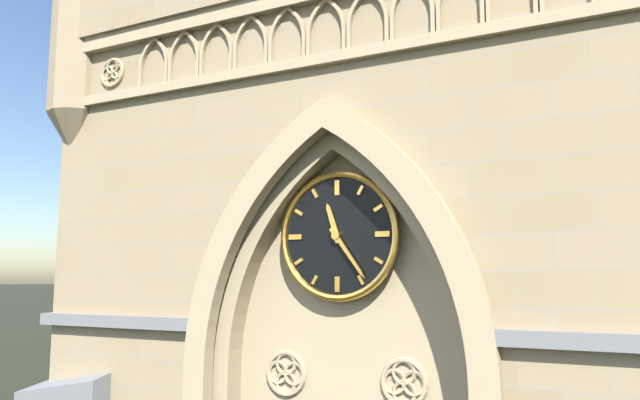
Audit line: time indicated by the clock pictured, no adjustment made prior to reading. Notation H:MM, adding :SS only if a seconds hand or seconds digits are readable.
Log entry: 11:24
